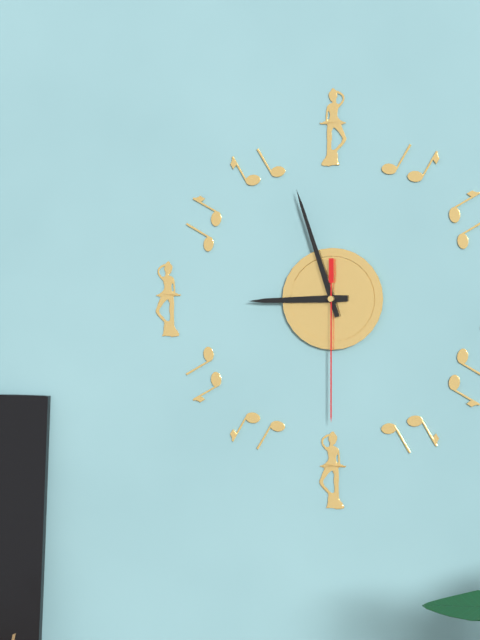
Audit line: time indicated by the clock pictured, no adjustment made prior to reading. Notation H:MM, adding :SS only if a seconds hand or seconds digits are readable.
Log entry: 8:57:30
